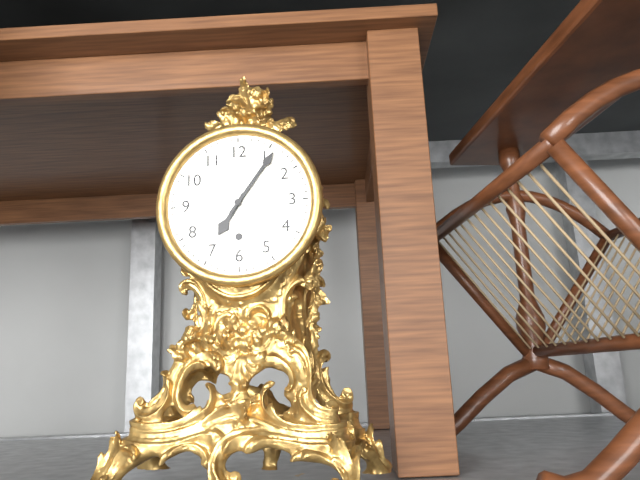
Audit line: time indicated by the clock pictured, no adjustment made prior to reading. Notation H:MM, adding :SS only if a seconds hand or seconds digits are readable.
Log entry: 7:06
